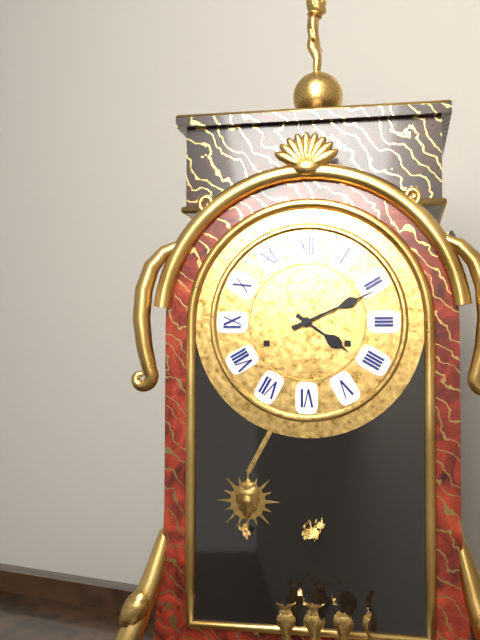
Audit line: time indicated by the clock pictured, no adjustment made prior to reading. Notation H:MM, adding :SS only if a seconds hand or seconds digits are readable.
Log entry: 4:11
